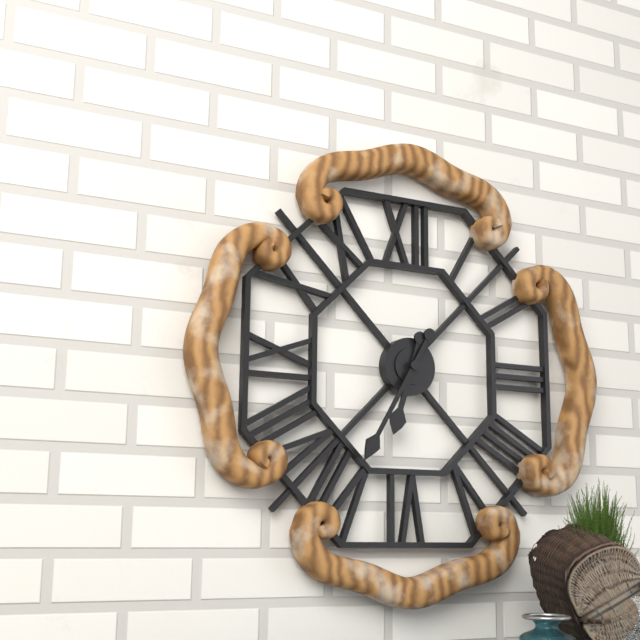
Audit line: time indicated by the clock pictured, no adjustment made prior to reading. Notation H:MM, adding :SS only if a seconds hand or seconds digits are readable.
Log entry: 6:35
